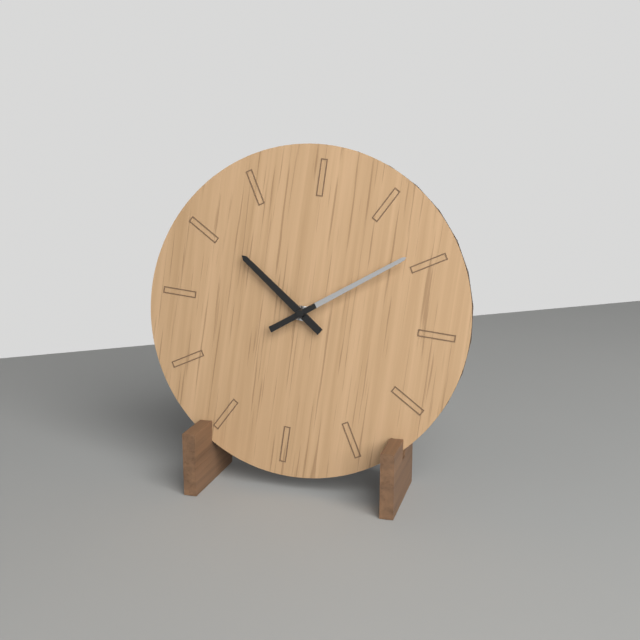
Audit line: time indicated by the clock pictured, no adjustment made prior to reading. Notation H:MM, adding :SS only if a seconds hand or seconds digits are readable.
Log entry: 10:09
